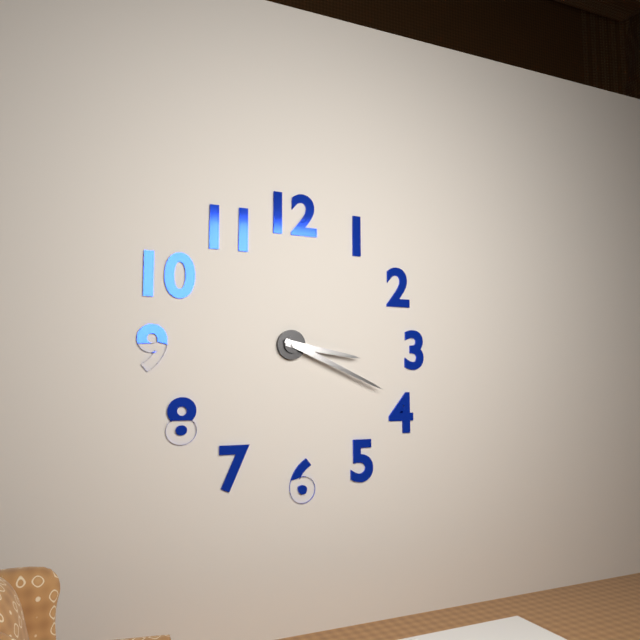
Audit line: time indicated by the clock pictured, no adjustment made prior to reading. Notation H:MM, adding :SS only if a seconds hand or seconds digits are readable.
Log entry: 3:19
